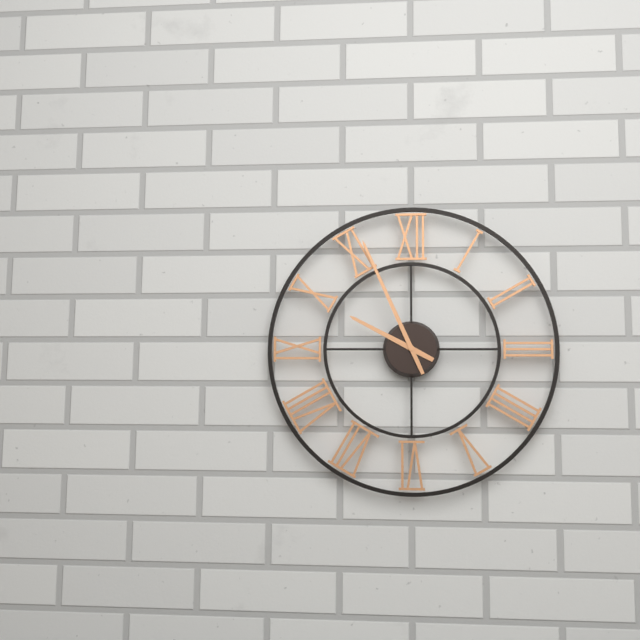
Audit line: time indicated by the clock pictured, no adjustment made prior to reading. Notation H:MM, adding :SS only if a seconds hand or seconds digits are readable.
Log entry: 9:56
